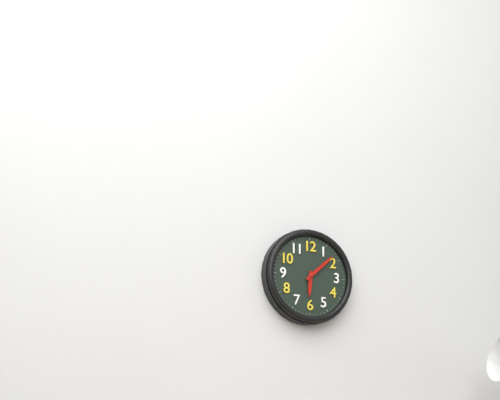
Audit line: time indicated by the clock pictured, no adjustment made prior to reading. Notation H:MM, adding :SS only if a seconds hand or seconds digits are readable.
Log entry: 6:08
